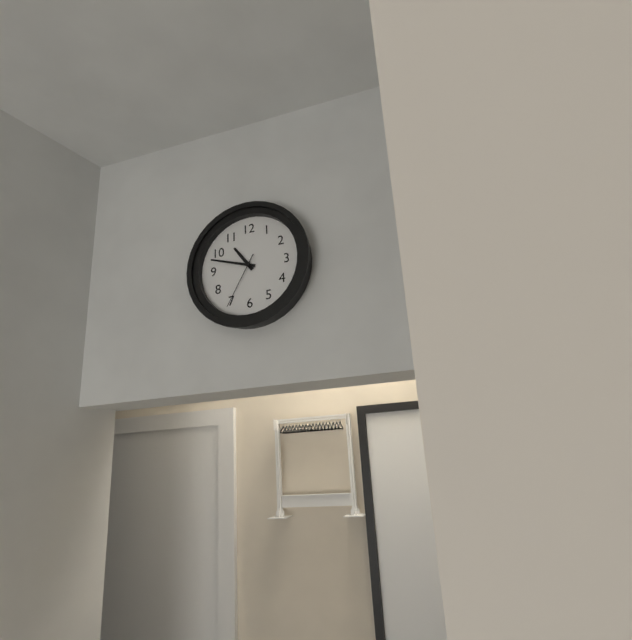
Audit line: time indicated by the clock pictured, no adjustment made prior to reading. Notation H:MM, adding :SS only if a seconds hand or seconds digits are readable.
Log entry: 10:48:35
